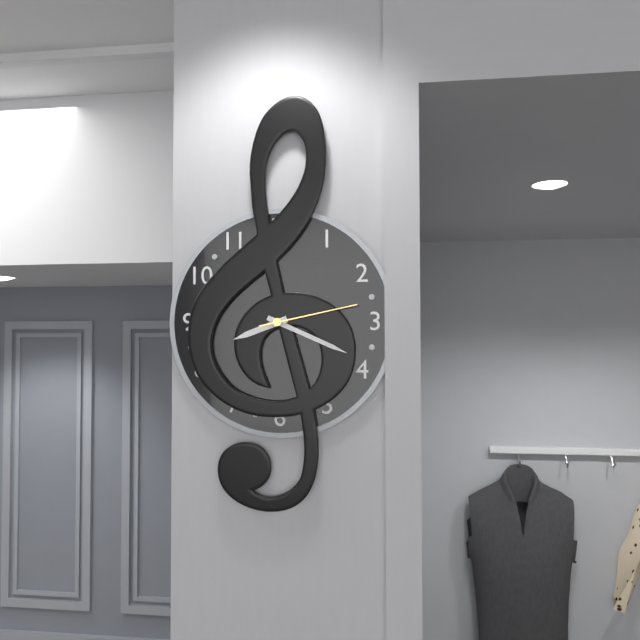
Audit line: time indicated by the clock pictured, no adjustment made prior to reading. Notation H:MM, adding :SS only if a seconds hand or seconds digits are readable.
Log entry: 8:19:13
